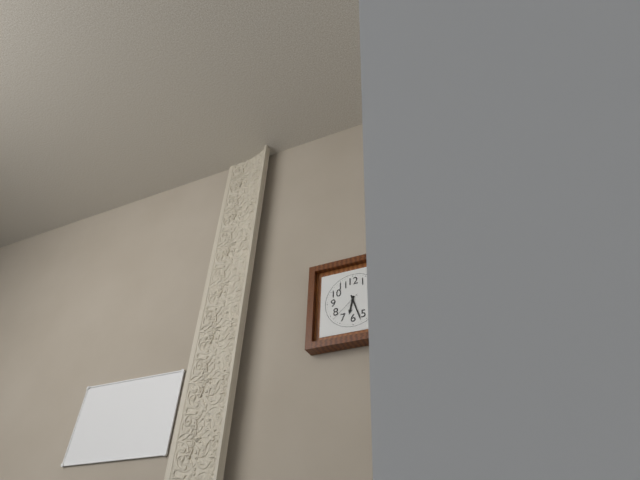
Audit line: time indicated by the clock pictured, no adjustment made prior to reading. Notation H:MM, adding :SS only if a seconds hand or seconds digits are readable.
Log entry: 6:27
